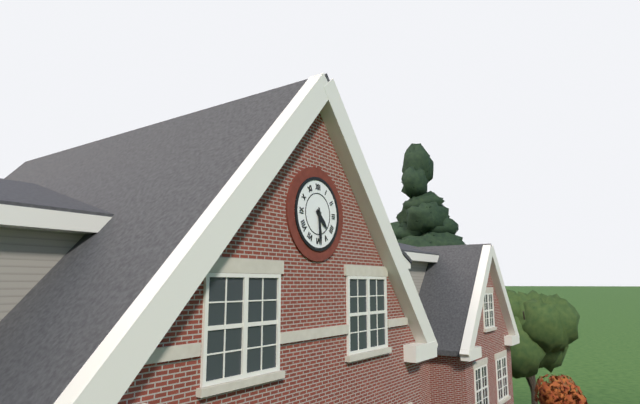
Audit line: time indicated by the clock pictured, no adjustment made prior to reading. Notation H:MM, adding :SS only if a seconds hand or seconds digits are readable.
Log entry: 4:29
